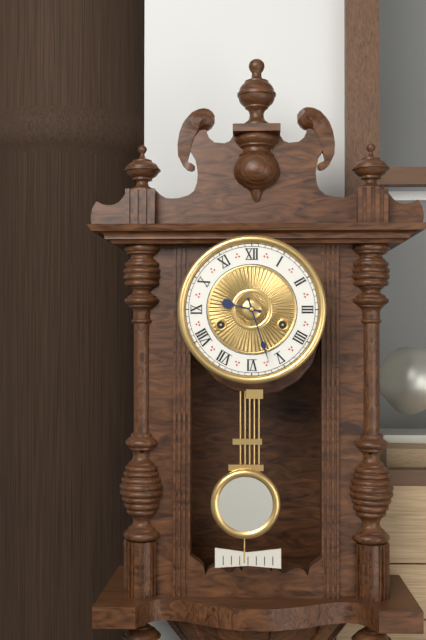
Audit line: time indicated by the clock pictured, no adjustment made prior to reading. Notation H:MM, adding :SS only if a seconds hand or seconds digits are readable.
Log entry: 9:27
